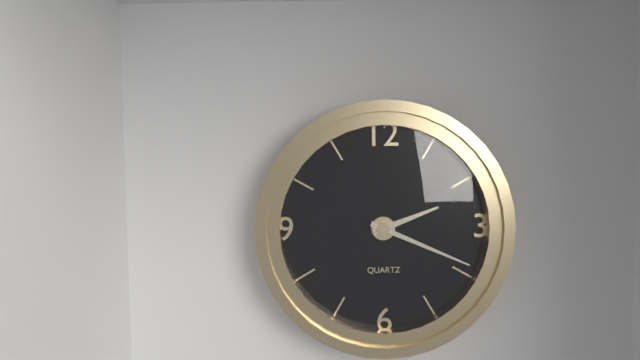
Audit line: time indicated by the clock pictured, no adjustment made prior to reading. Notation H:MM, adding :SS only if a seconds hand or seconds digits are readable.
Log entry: 2:19
